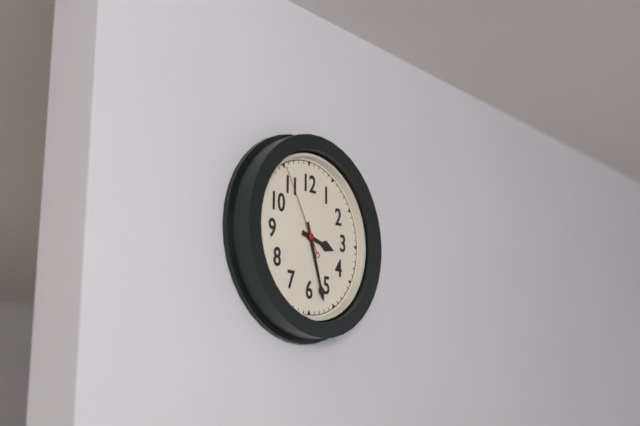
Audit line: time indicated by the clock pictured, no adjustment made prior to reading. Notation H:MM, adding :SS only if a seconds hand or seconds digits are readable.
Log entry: 3:27:55
